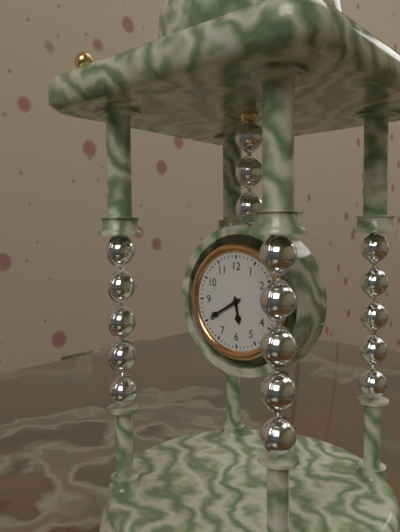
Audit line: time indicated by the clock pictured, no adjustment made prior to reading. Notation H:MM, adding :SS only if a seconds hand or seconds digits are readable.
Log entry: 5:40
